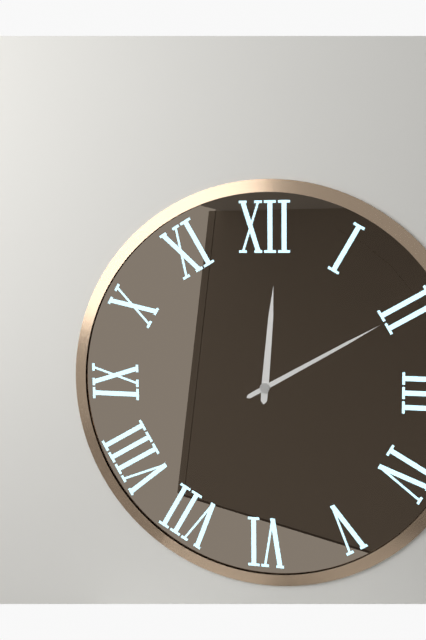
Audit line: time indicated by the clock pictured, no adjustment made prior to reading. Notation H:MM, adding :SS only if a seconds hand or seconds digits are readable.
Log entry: 12:10
